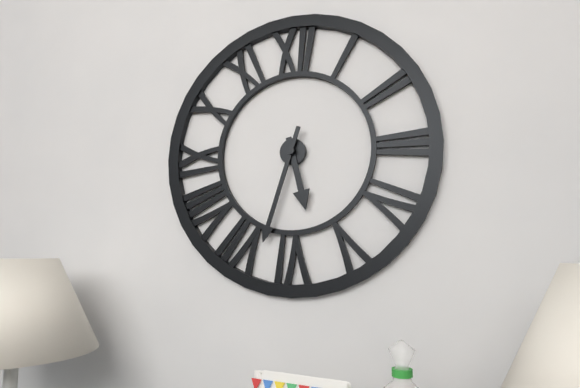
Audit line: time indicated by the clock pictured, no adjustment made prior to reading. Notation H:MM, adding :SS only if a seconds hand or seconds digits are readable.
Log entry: 5:33
